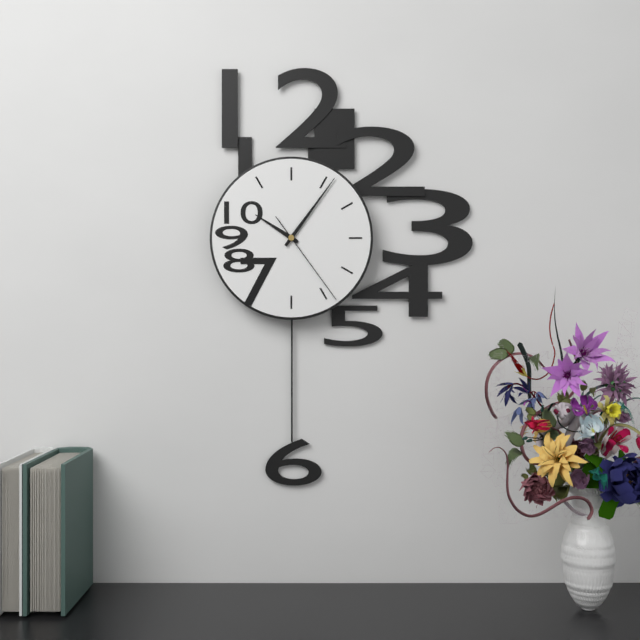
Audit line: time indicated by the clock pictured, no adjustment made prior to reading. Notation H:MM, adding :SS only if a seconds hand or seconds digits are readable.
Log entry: 10:06:24
